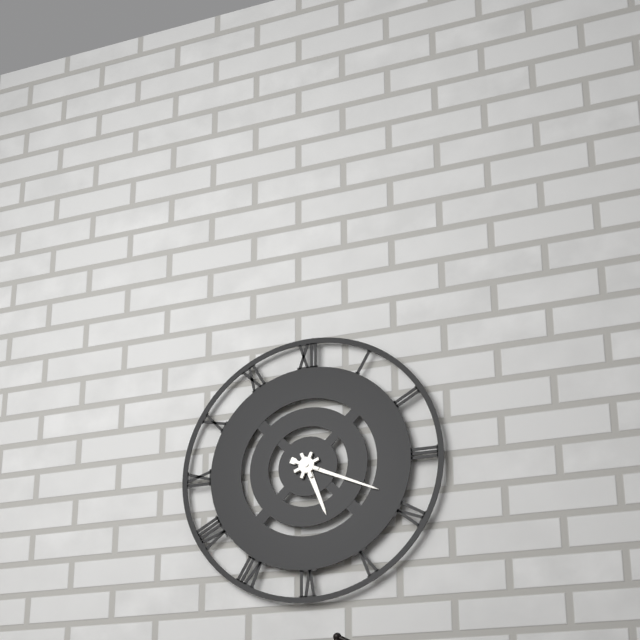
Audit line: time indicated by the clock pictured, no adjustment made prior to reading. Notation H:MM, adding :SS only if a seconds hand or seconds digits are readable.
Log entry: 5:19
